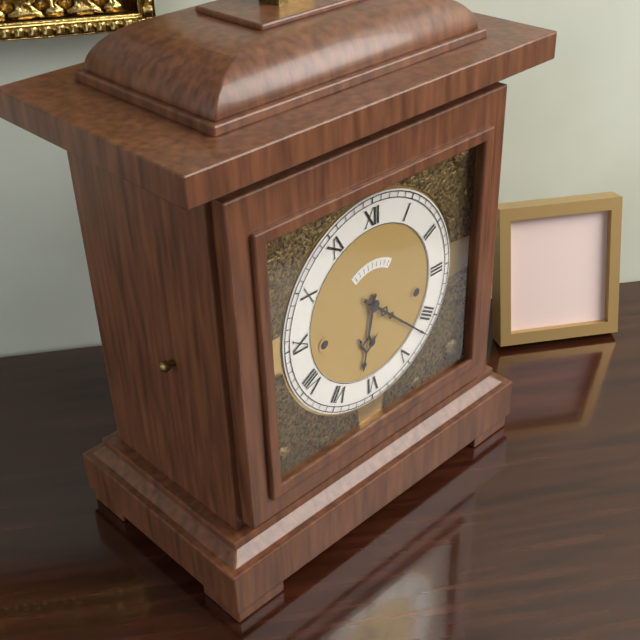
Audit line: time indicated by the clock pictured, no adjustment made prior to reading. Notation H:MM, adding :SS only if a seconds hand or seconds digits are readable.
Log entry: 6:22
